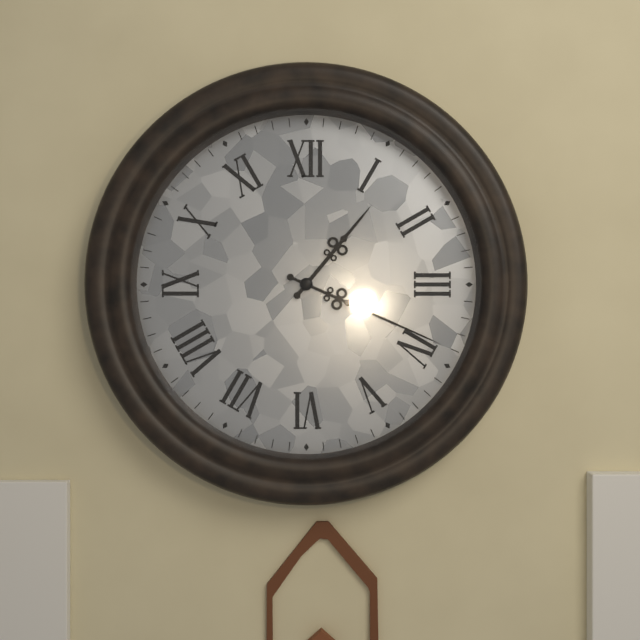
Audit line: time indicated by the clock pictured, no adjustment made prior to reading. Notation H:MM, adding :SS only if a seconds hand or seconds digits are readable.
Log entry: 1:19
